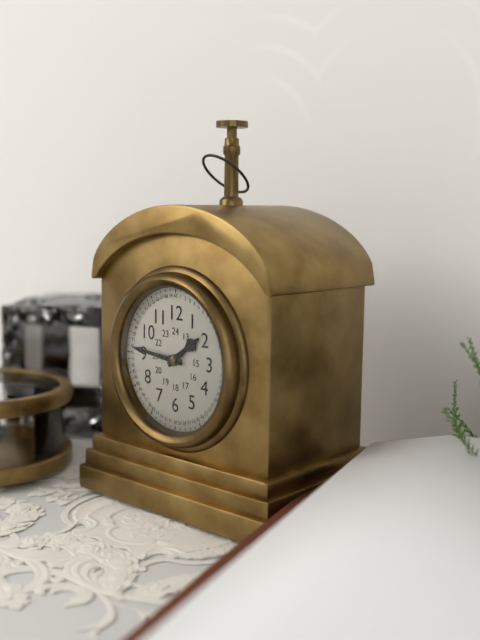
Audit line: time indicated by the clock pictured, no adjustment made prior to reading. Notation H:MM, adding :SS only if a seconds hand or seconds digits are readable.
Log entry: 1:46
